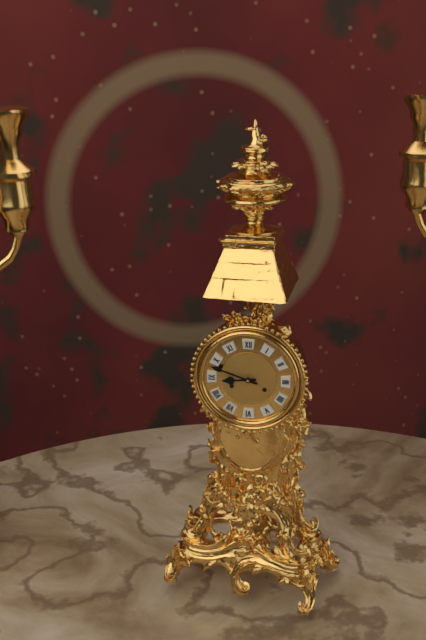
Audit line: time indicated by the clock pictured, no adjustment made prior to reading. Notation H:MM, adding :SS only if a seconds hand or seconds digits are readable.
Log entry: 8:48
